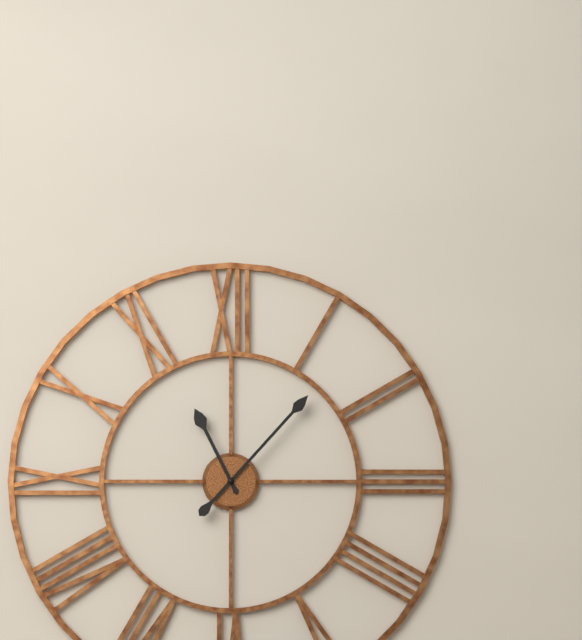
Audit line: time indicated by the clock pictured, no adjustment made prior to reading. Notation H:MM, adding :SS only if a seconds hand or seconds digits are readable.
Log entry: 11:07
